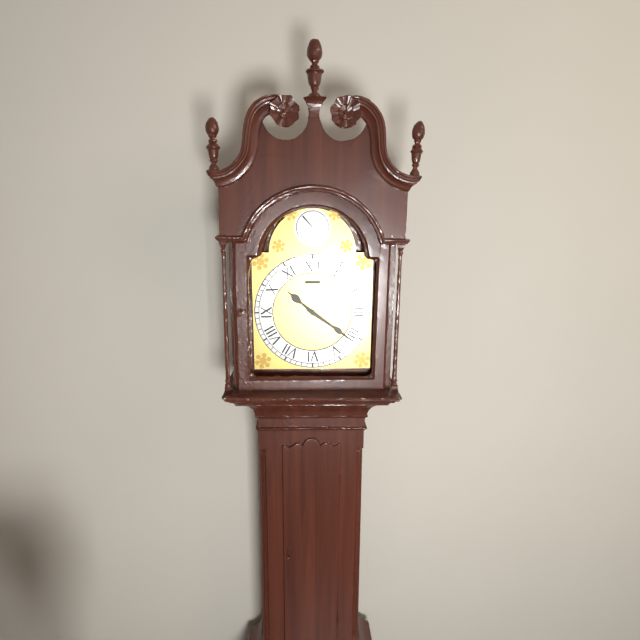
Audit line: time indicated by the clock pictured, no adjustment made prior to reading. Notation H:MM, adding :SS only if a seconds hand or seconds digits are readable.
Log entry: 10:21
